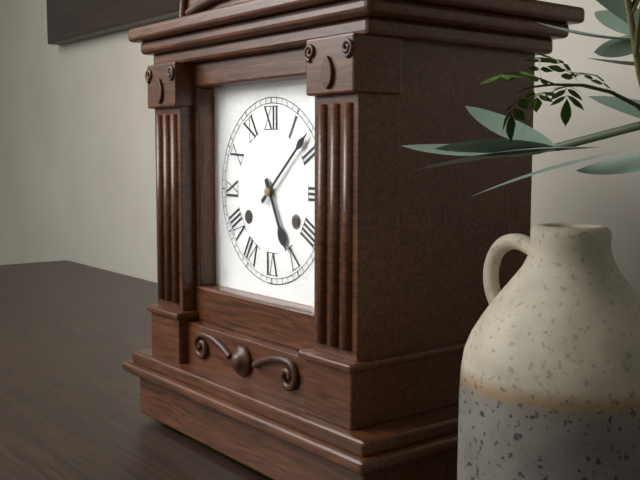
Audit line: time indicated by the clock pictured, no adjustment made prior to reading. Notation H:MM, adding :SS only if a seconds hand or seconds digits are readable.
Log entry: 5:08
